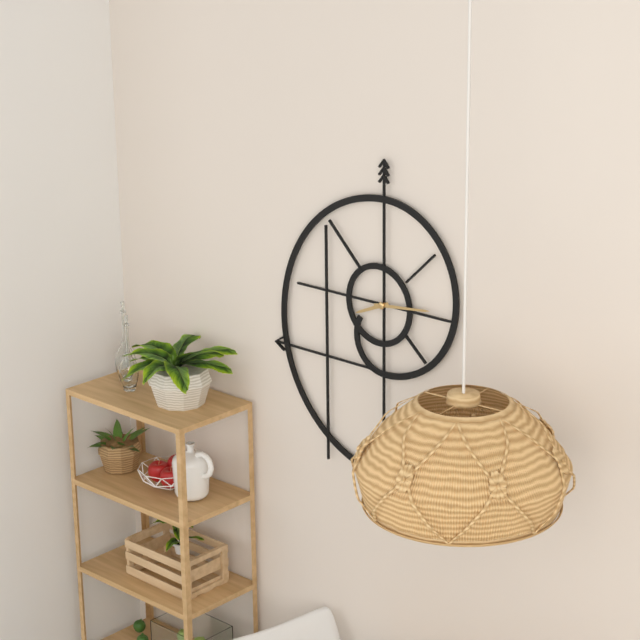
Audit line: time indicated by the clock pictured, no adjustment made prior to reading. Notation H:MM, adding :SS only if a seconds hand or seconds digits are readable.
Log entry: 8:14
